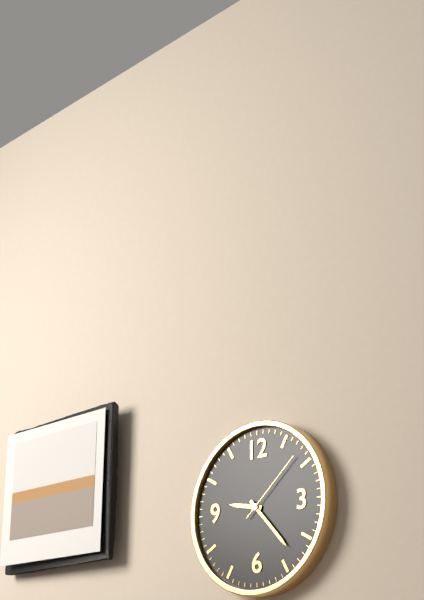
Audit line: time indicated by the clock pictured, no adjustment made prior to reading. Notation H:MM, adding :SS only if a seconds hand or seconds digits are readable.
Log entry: 9:23:08
